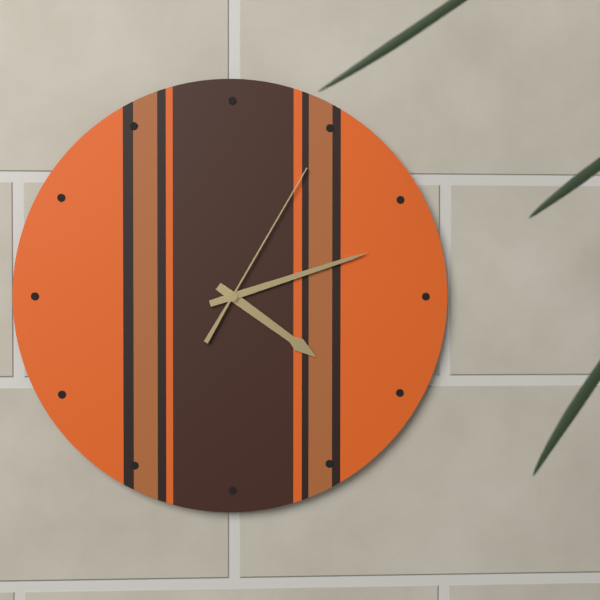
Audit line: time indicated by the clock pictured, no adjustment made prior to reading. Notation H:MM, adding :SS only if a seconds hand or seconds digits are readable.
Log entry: 4:12:05
